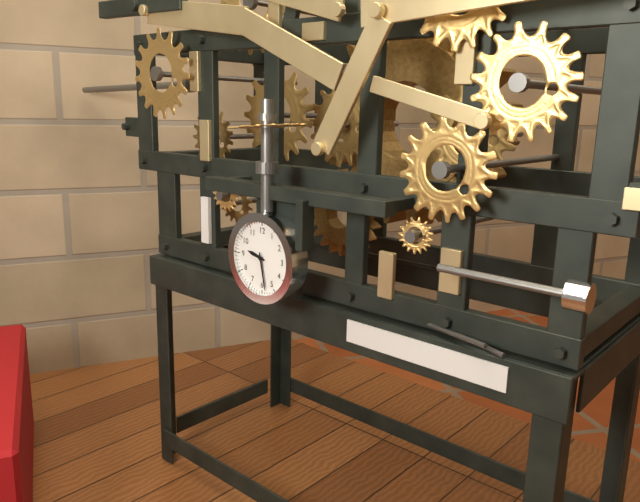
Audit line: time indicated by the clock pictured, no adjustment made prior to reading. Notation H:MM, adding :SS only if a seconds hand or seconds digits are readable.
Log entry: 9:28
